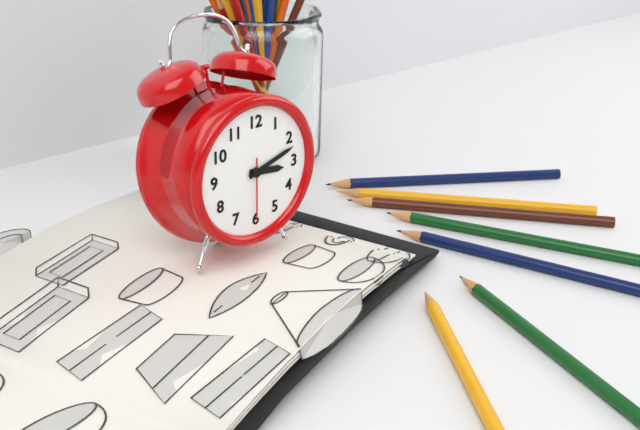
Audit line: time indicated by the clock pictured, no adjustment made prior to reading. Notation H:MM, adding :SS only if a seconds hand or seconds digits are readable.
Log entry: 3:12:30
